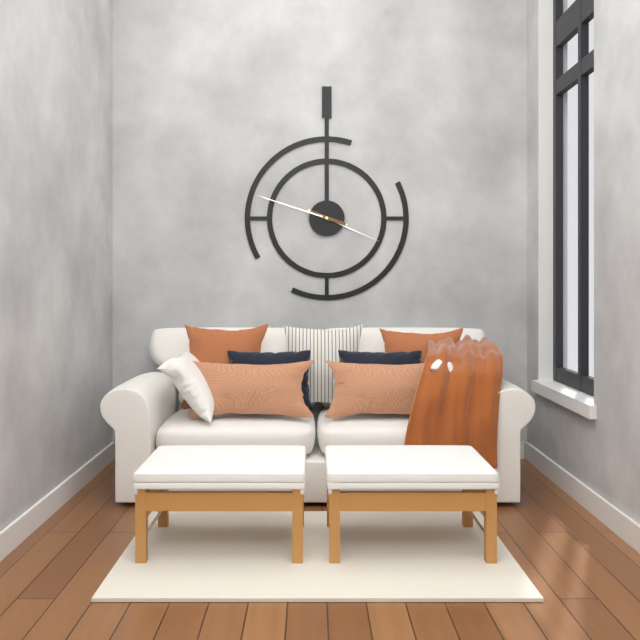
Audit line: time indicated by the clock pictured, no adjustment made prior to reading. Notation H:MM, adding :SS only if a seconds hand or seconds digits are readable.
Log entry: 3:48
